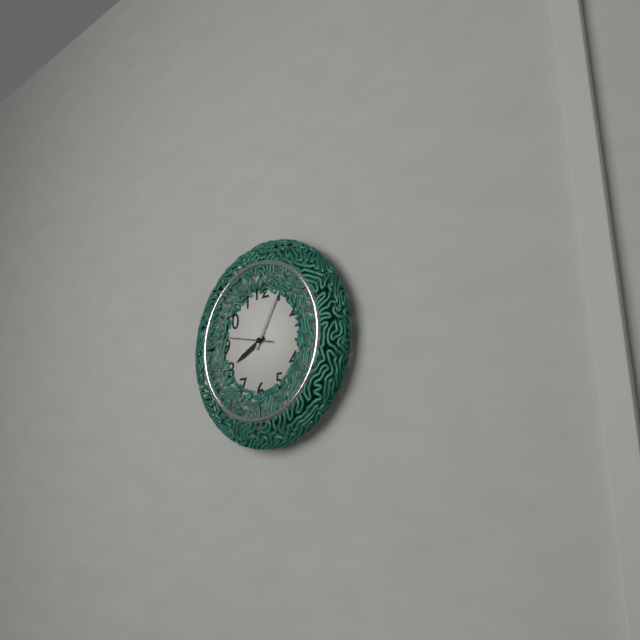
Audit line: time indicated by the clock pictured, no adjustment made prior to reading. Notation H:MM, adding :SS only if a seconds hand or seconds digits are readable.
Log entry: 8:05:47
